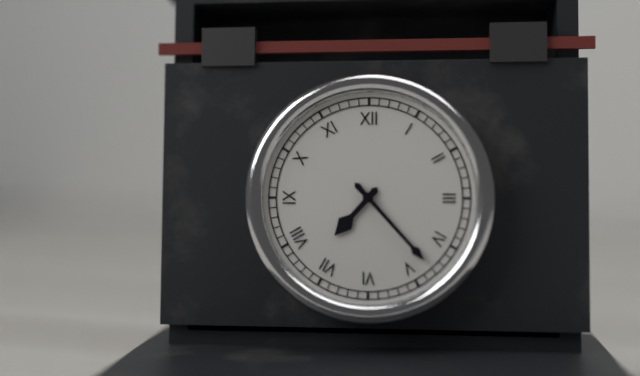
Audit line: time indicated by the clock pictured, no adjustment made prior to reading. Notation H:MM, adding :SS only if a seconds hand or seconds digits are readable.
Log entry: 7:23
